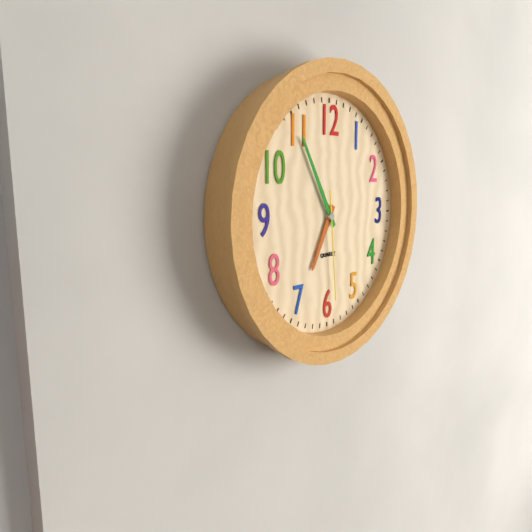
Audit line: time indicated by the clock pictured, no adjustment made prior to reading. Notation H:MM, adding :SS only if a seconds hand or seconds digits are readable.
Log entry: 6:55:29
